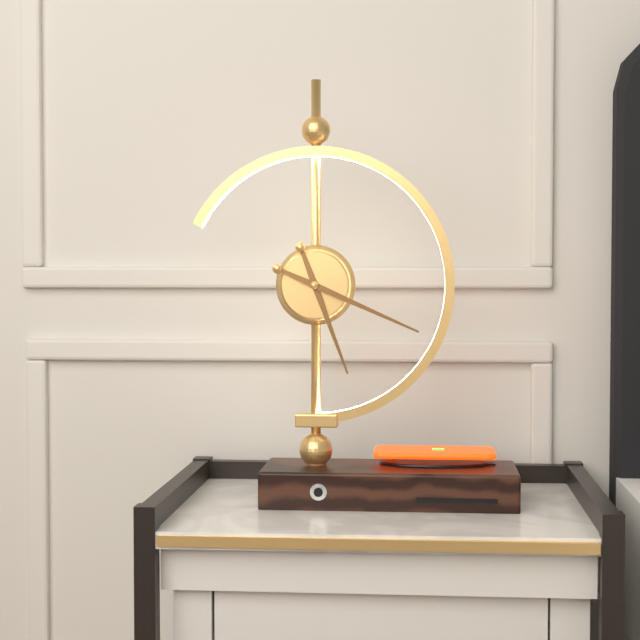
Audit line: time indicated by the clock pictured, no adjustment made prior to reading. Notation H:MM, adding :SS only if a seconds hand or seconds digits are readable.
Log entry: 5:19
